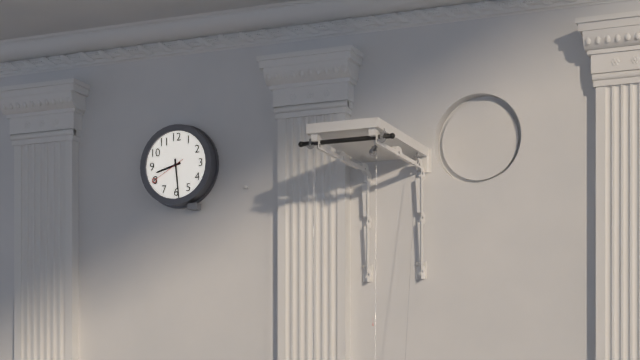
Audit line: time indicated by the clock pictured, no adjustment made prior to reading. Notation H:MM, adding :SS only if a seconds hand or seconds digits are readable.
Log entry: 8:29
